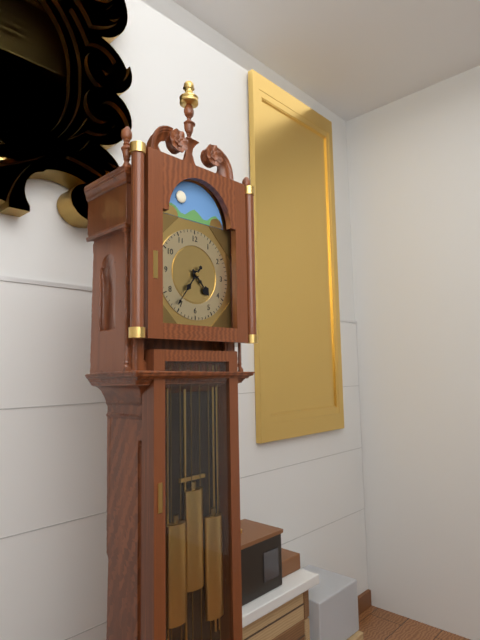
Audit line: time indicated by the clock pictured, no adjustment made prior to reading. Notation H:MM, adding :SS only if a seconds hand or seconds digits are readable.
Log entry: 4:36
